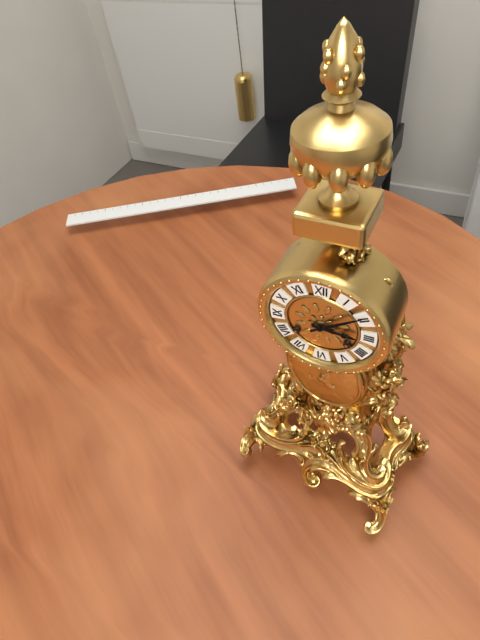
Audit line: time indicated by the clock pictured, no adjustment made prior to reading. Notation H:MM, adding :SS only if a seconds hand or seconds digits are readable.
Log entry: 3:09
